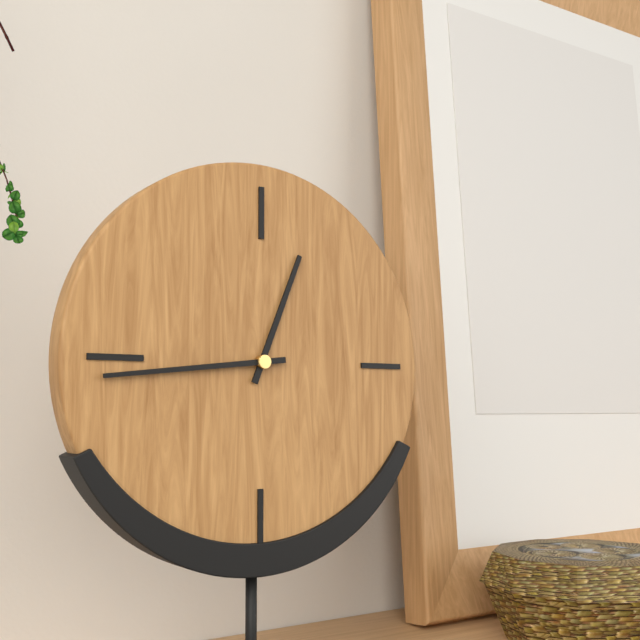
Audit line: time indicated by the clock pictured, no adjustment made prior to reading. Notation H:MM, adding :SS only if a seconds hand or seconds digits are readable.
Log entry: 12:44
